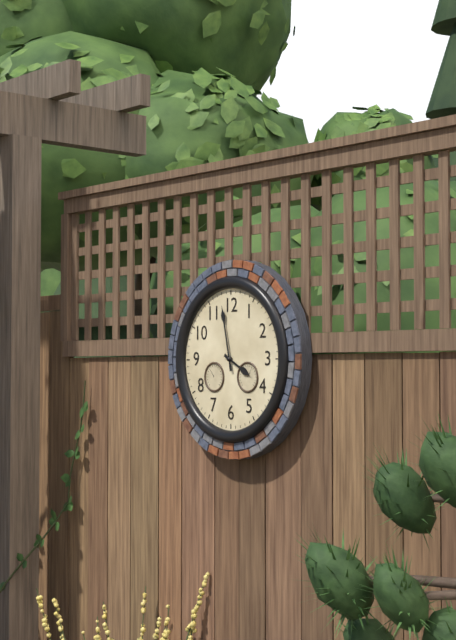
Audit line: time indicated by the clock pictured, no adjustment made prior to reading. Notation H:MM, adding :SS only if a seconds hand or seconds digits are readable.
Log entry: 3:58
